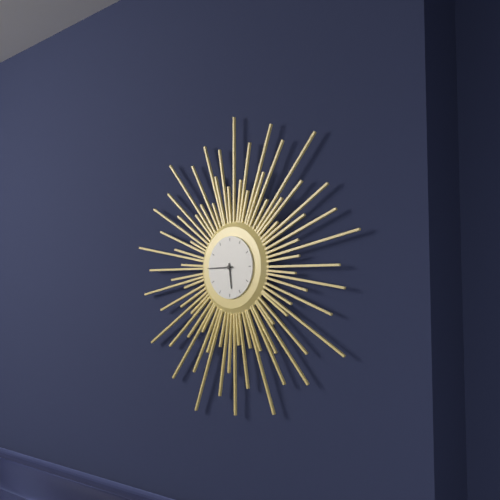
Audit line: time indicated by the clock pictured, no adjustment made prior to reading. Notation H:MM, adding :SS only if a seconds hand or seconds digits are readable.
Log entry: 5:45
